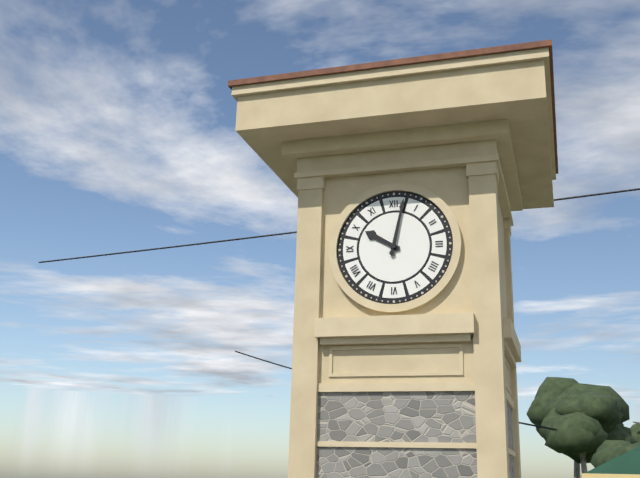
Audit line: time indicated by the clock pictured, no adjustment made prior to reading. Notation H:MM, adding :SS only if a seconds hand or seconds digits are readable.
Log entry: 10:02
